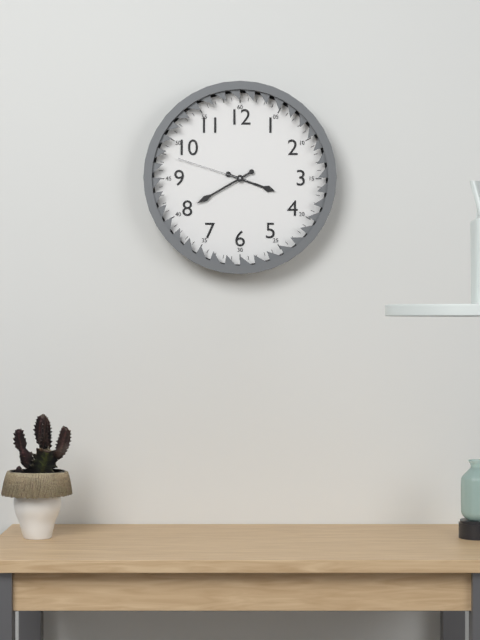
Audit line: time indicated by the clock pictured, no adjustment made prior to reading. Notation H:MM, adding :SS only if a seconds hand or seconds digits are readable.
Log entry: 3:40:48
